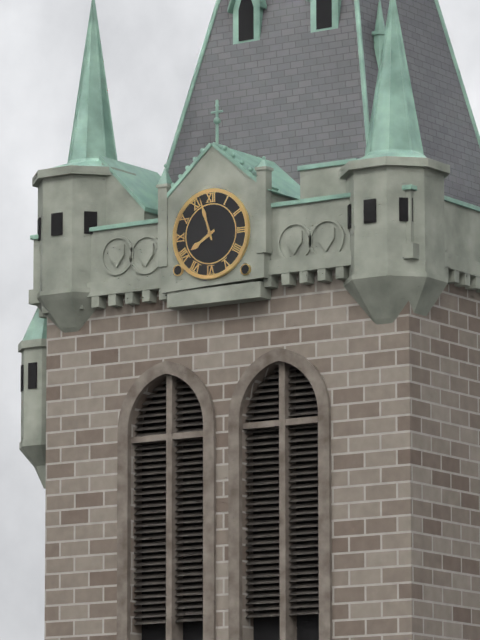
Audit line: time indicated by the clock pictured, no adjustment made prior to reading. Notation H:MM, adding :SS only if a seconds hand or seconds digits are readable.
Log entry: 7:57
